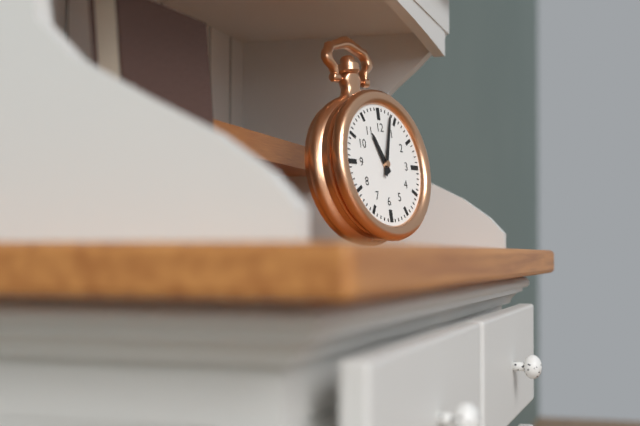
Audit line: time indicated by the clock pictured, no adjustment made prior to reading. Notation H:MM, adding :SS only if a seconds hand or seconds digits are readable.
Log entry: 11:03
